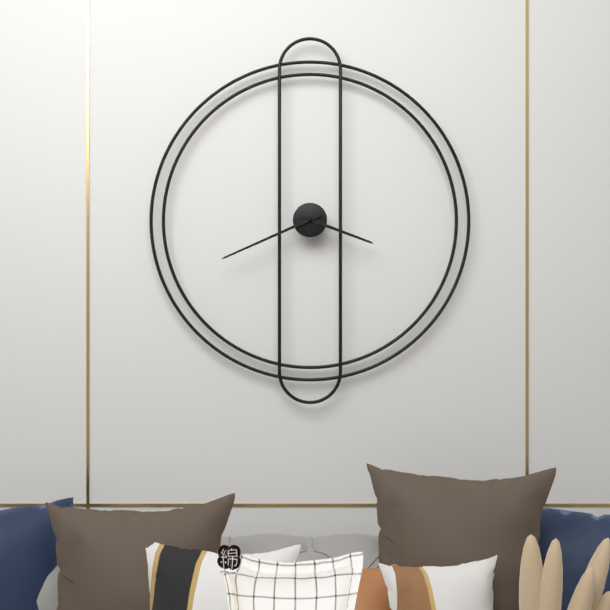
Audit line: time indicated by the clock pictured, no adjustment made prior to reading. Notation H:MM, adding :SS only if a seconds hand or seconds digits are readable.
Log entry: 3:41
